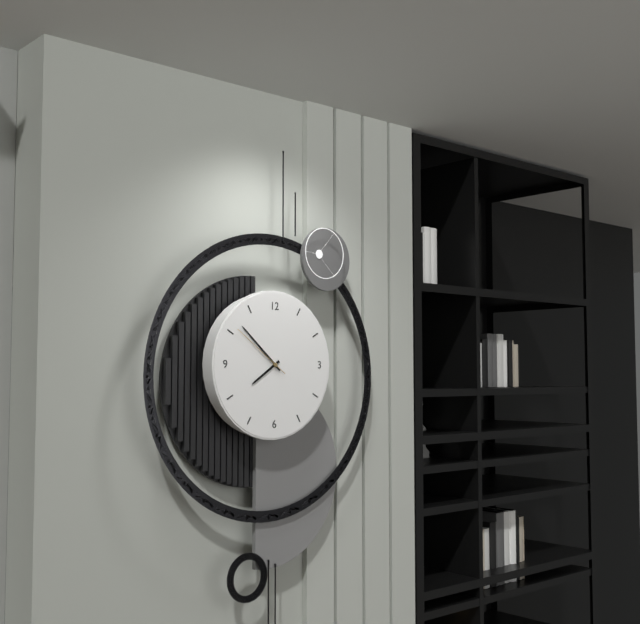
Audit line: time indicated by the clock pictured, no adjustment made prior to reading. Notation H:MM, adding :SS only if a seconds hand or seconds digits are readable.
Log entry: 7:52:51
